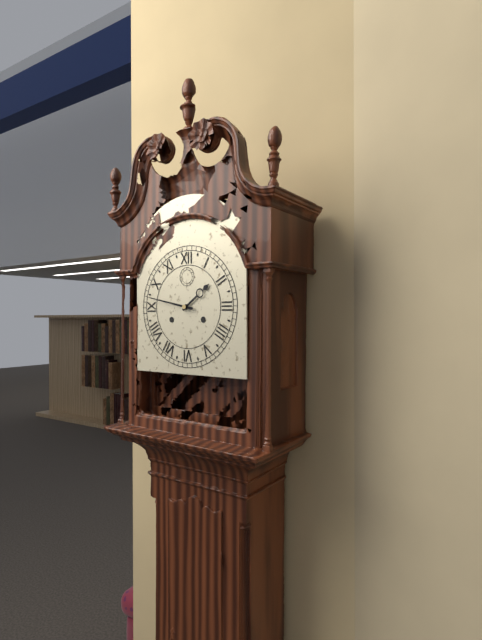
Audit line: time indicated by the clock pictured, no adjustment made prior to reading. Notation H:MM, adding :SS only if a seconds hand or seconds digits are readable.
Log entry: 1:47
